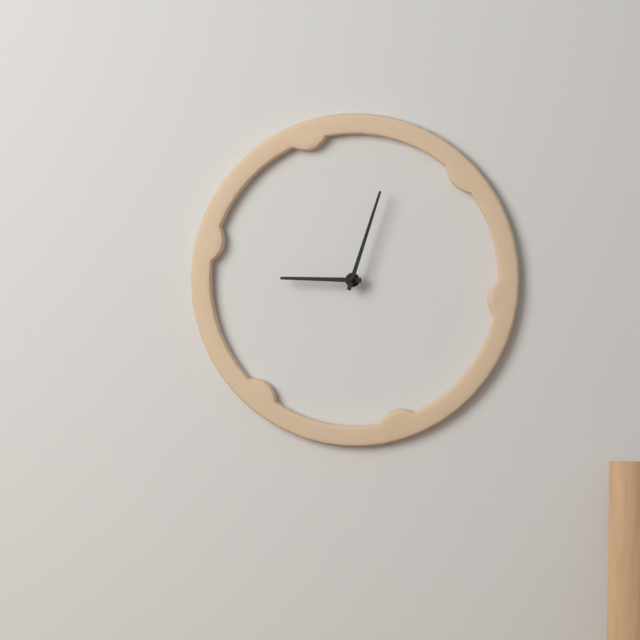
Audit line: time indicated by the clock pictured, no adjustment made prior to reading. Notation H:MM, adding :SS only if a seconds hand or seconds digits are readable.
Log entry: 9:03
